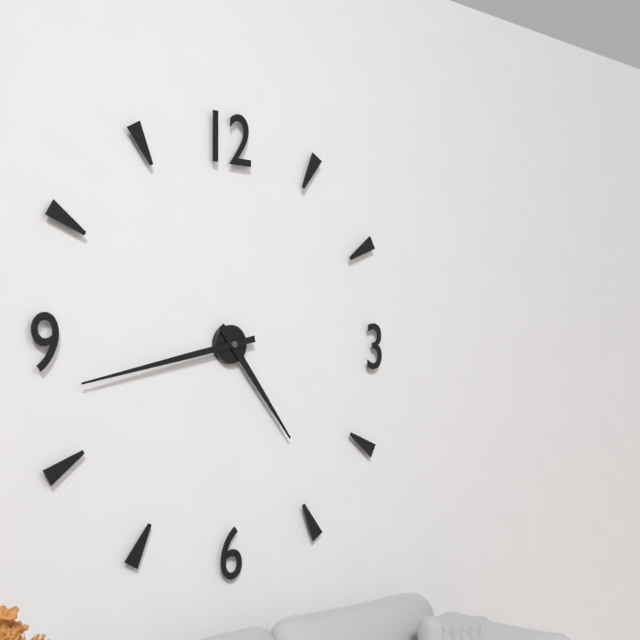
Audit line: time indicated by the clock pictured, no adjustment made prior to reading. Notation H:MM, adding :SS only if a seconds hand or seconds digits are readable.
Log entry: 4:43
